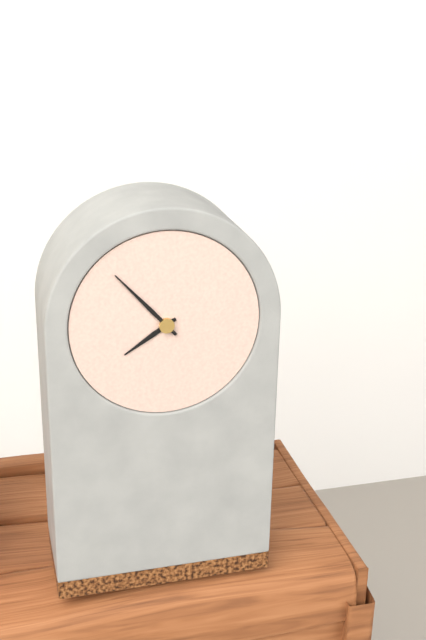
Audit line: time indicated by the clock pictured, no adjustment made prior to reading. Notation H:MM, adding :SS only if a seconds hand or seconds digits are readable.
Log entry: 7:53
